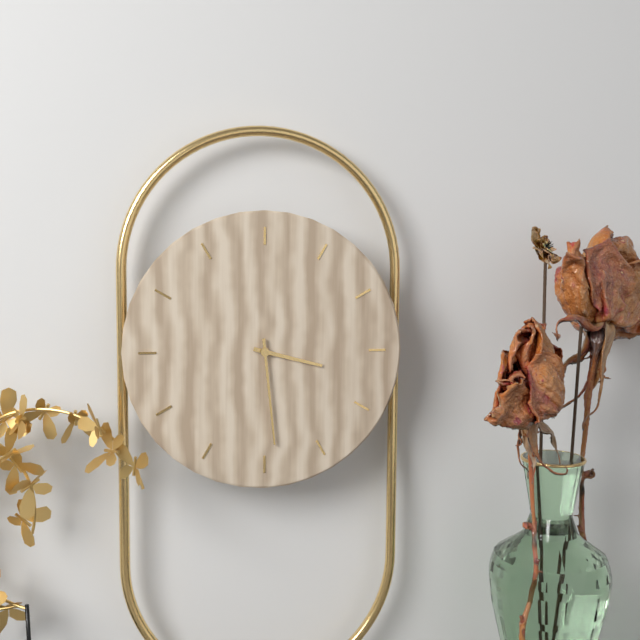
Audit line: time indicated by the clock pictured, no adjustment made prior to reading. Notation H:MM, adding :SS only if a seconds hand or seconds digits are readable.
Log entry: 3:29
